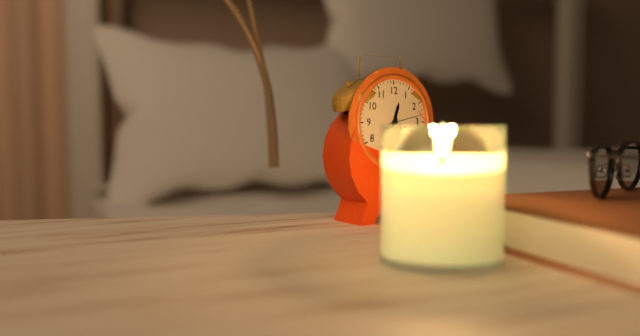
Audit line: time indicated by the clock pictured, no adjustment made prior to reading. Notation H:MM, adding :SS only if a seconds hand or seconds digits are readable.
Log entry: 12:36
